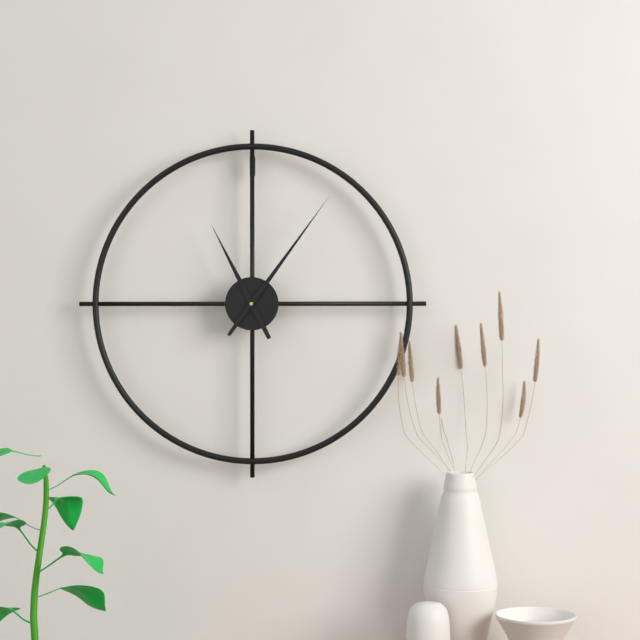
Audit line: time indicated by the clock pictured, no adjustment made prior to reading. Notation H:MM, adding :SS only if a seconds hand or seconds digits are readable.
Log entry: 11:06
